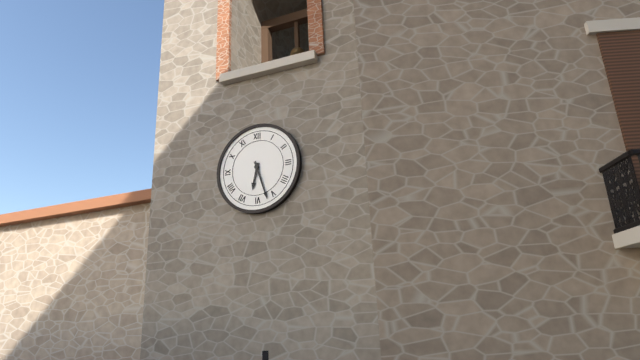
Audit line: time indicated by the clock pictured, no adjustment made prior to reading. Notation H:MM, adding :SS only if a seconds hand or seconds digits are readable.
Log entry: 6:27
